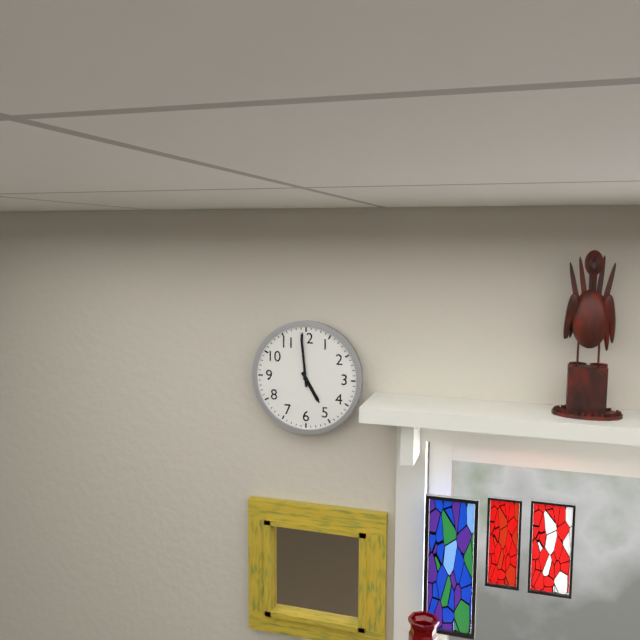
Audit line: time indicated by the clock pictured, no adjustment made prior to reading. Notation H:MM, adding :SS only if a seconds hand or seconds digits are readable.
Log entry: 4:59
